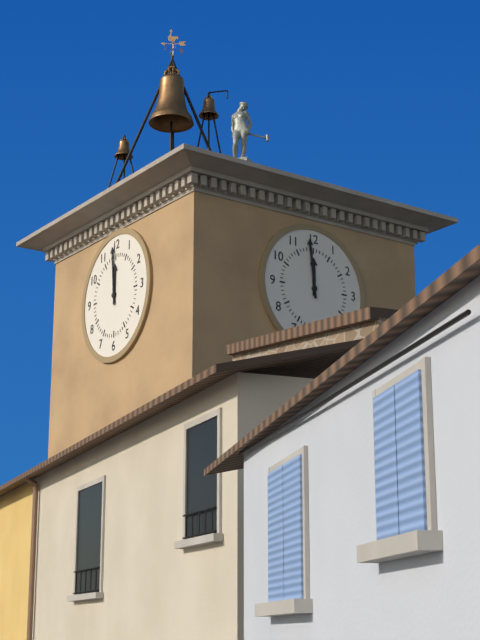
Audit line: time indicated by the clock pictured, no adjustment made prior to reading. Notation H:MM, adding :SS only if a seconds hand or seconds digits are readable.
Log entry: 11:59
